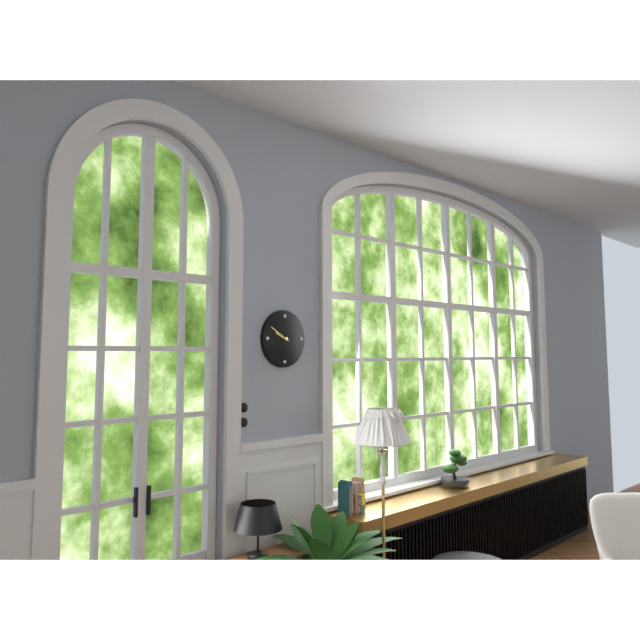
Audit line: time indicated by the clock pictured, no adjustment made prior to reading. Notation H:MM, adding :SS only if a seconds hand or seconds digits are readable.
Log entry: 9:50
